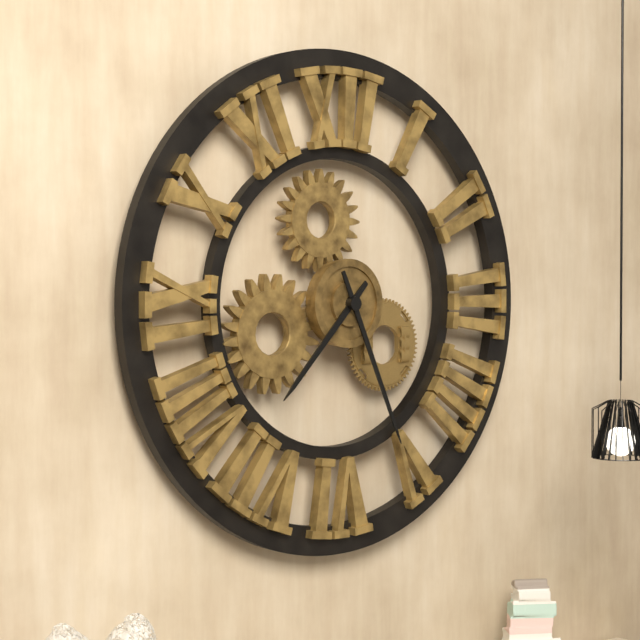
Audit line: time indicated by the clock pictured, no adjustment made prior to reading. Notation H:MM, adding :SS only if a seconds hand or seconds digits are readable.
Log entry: 7:26
